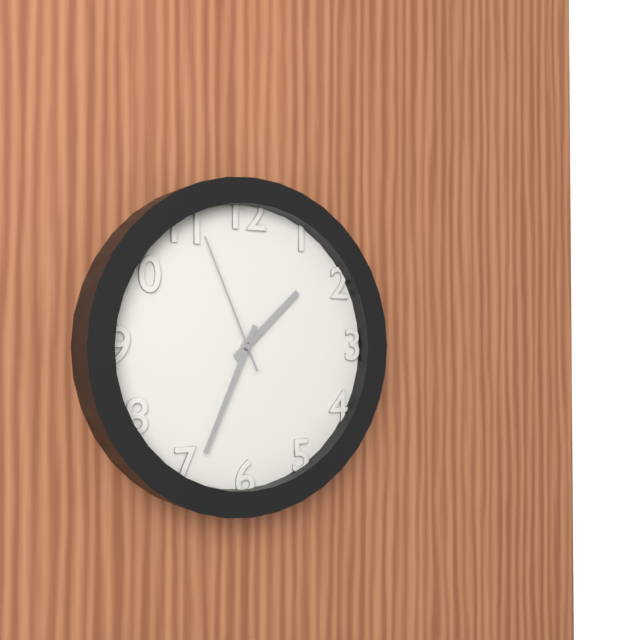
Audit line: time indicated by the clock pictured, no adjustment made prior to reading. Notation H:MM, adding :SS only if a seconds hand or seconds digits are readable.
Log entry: 1:34:56
